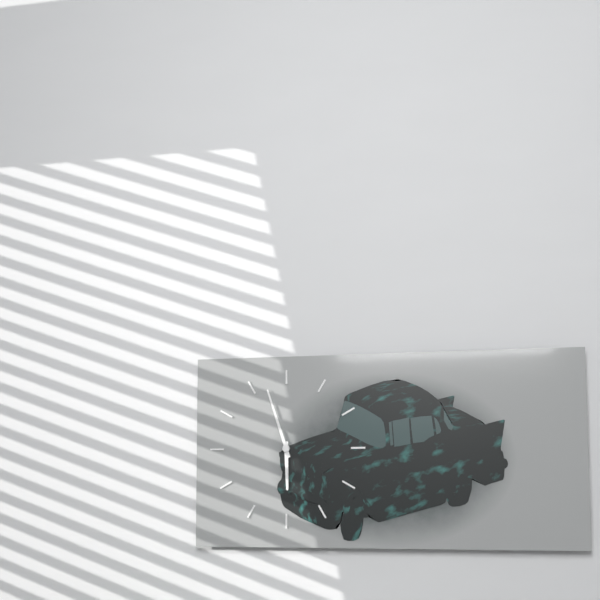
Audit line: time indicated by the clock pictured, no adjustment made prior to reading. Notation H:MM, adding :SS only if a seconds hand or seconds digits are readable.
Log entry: 5:57
